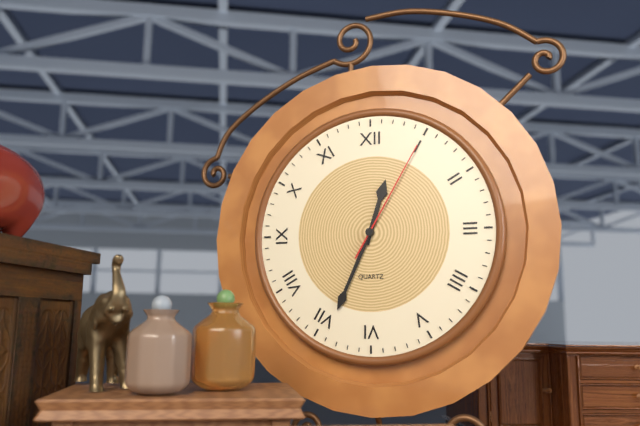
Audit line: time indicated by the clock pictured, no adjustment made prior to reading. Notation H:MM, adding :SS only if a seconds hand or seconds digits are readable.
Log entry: 12:34:05
